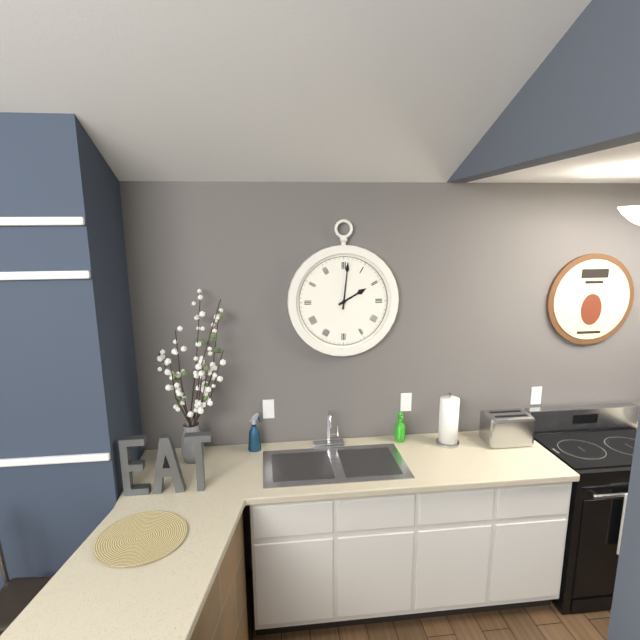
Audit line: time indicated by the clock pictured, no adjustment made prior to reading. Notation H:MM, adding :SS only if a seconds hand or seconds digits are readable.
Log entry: 2:01
